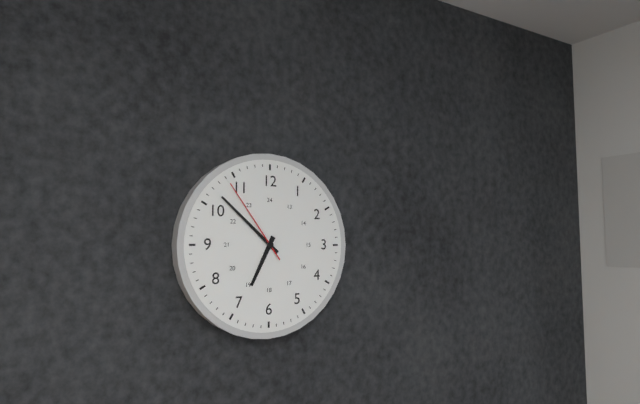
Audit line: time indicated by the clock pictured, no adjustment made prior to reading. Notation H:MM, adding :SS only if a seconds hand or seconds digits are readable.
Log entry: 6:52:54
